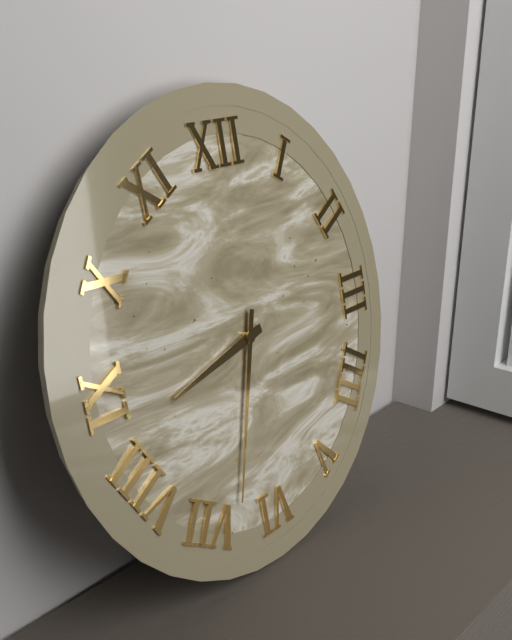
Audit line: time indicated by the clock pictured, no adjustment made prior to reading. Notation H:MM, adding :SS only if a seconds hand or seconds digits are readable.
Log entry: 8:33
